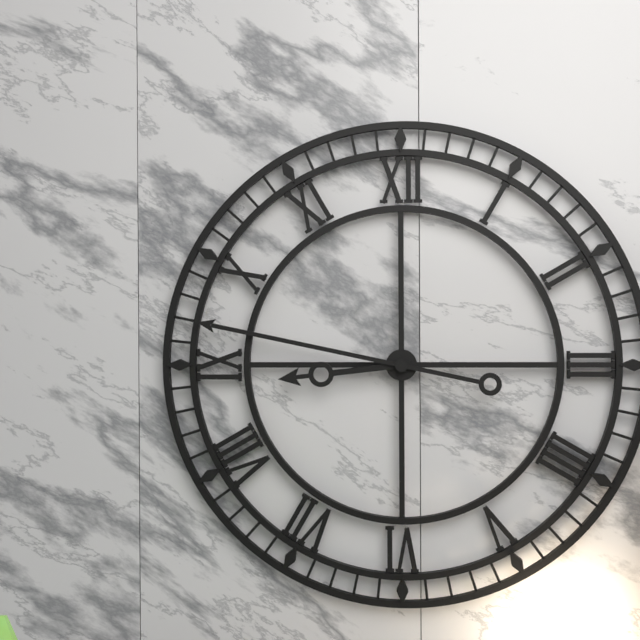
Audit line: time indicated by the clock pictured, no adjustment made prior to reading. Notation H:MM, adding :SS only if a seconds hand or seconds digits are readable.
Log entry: 8:47
